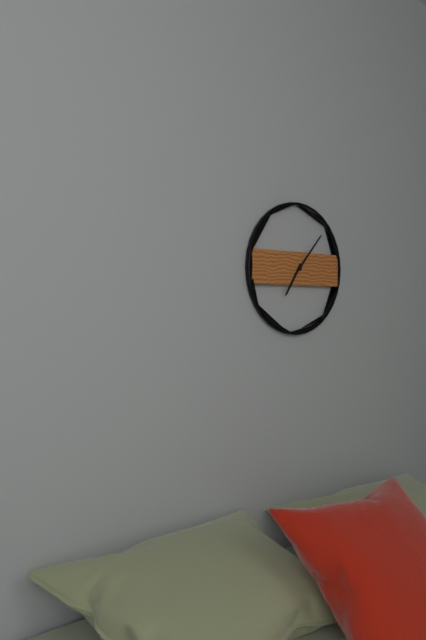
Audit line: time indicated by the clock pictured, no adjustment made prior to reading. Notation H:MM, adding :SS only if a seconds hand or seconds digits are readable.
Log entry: 7:07
